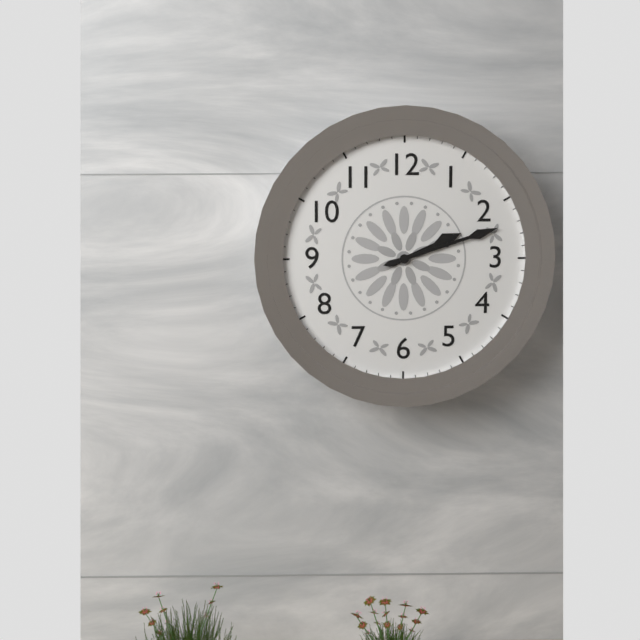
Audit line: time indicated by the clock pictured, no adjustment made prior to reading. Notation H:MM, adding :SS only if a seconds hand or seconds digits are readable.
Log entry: 2:12
